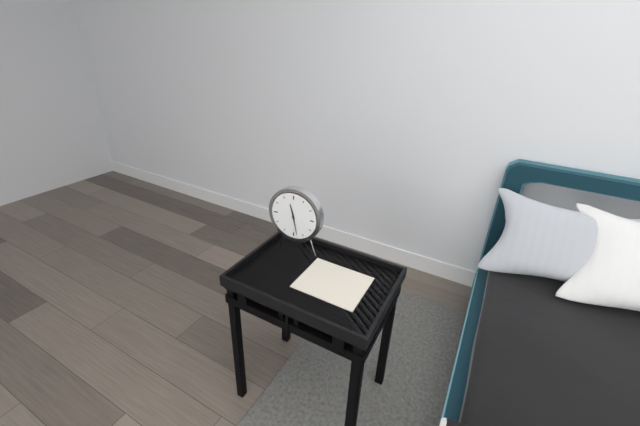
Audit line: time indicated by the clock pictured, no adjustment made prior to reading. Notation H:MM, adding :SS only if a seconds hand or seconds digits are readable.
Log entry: 11:28
